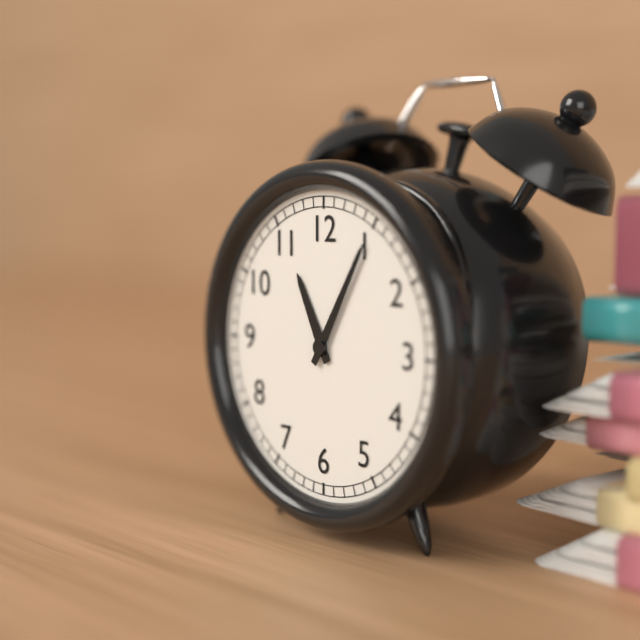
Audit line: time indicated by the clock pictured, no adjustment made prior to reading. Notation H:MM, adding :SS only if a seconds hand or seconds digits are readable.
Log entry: 11:05
